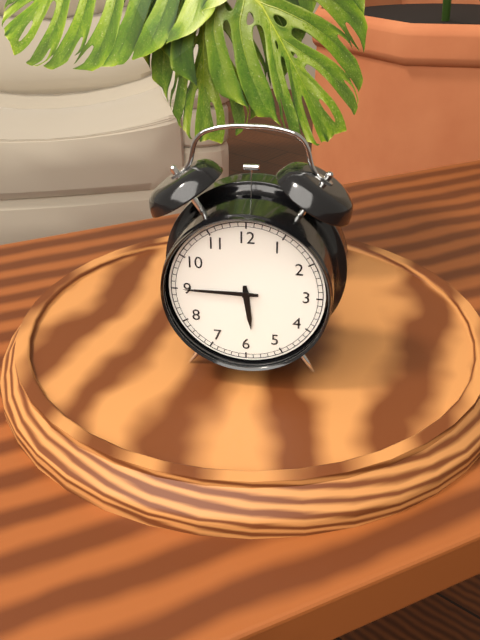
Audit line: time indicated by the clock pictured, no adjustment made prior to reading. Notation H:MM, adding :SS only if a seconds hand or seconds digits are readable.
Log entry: 5:45
